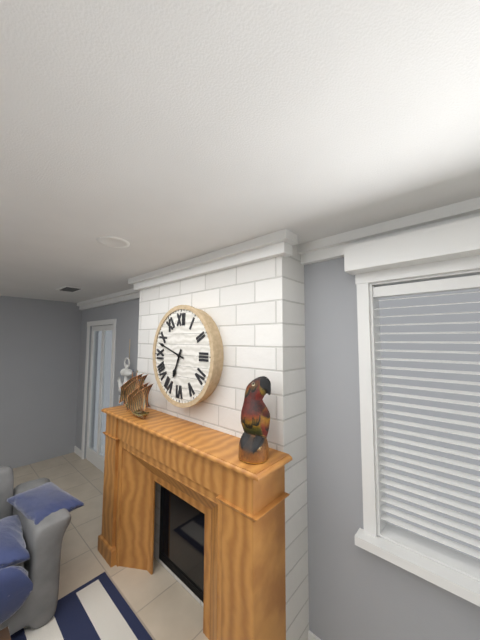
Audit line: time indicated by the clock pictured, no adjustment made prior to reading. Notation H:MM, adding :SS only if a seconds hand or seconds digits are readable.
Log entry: 6:48
